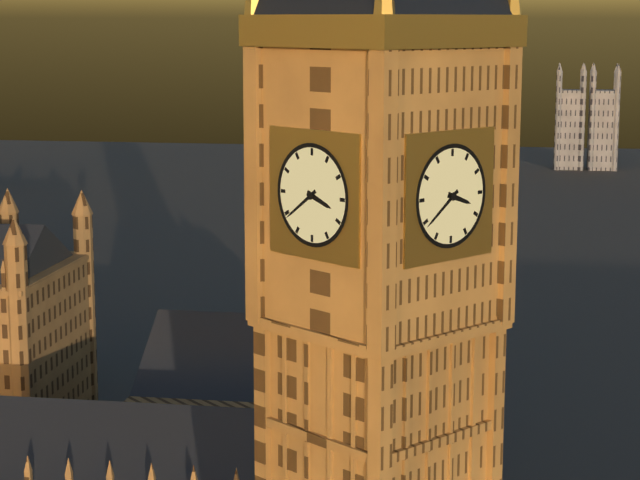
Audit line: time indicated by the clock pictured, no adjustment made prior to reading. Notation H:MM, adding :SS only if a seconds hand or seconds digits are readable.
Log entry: 3:39
